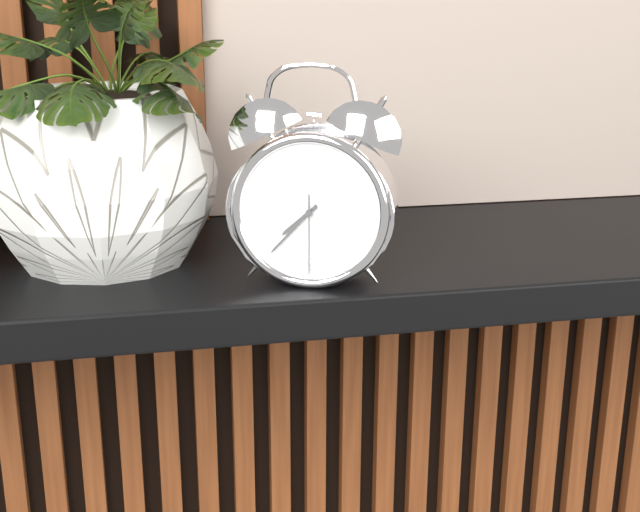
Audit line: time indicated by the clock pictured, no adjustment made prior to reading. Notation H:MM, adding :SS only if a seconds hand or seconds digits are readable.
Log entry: 7:37:30
